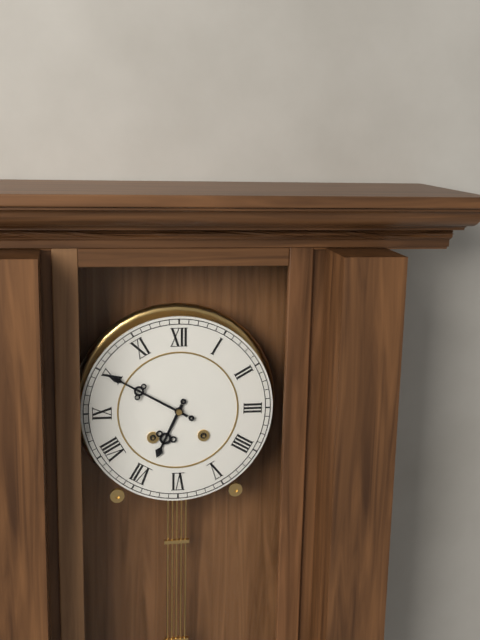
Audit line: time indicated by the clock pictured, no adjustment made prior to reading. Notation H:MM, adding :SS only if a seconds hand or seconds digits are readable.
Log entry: 6:50
